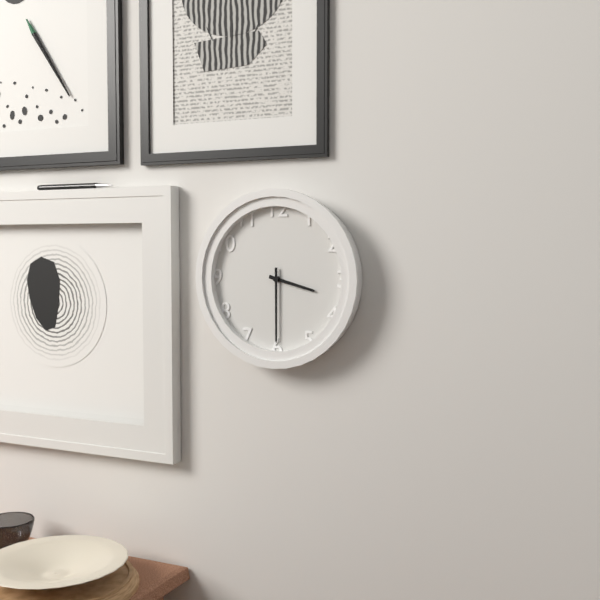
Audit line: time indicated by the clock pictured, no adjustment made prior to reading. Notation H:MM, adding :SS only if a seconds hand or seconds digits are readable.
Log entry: 3:30
